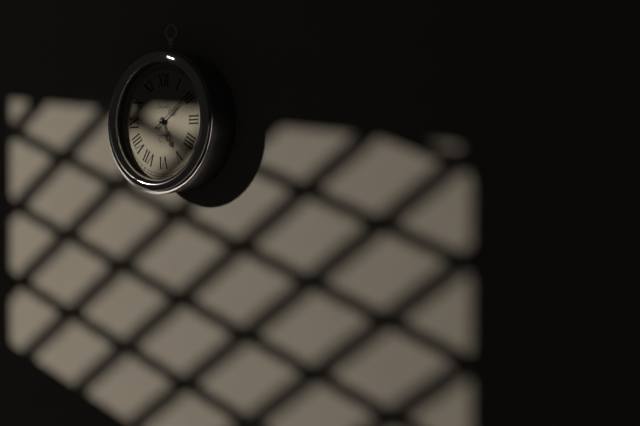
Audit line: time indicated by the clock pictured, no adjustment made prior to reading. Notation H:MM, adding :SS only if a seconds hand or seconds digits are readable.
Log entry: 5:09
